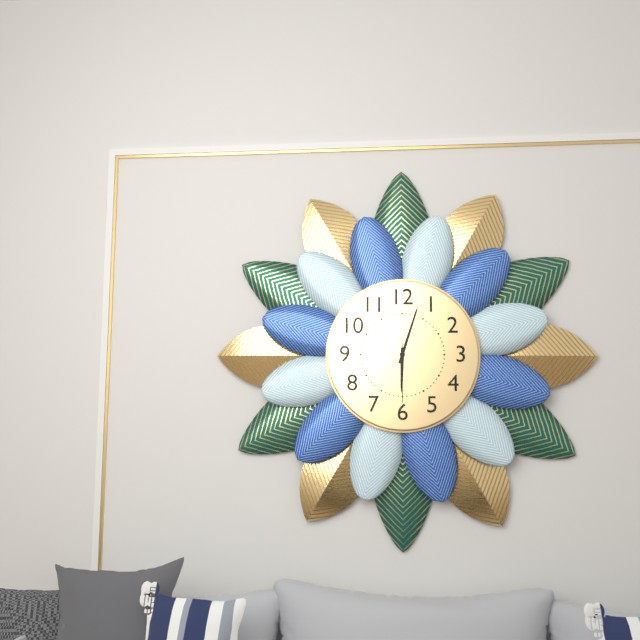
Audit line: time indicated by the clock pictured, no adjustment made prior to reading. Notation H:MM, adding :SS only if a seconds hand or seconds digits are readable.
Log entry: 6:03:30
